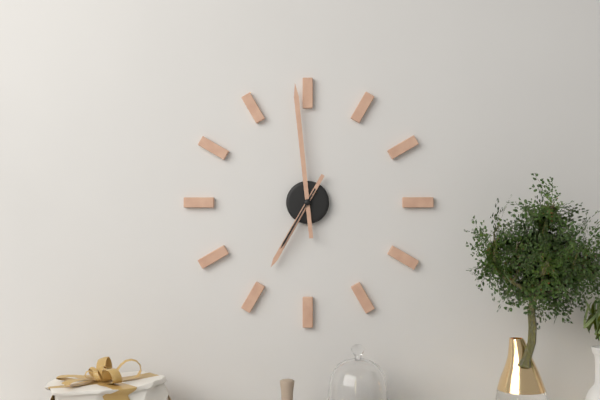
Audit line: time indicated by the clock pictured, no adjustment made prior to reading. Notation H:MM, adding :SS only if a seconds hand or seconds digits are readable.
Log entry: 6:59:35
